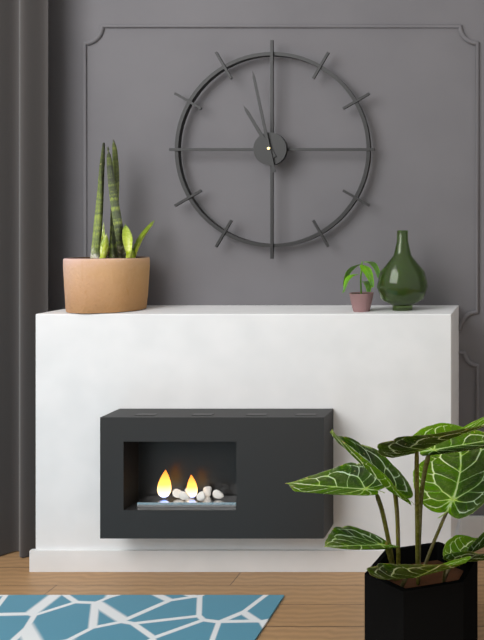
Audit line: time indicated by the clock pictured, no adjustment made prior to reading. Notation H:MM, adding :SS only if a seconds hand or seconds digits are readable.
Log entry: 10:58
